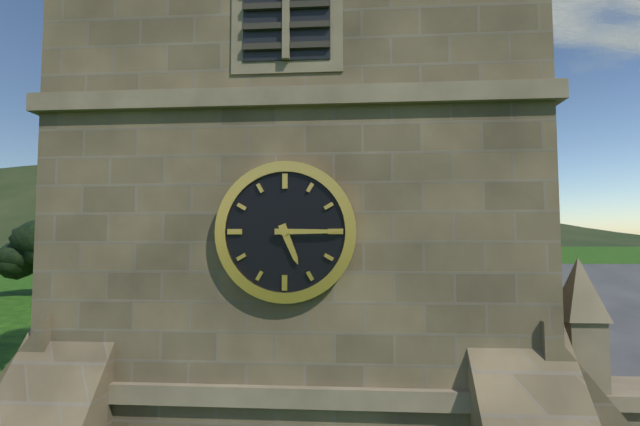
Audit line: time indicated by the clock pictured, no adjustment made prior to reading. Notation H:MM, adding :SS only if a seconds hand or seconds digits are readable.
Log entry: 5:15
